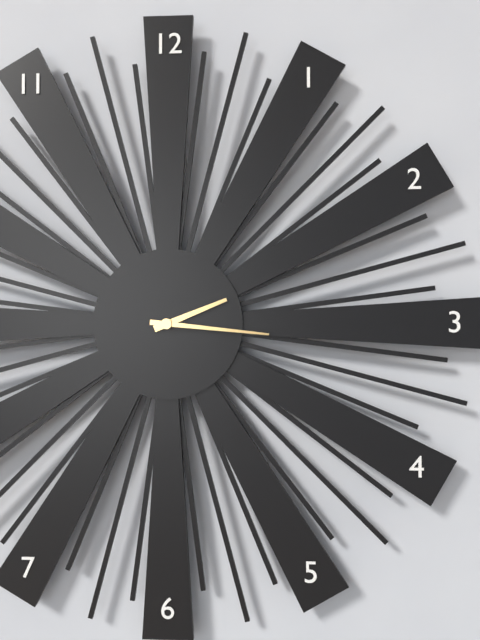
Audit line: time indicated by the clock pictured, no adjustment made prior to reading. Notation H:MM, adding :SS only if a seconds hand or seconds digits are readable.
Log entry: 2:16
